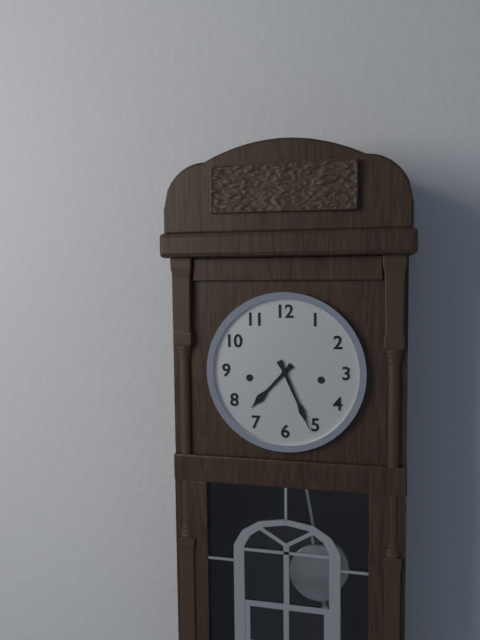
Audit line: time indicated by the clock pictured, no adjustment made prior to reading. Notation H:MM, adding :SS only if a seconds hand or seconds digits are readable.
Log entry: 7:26
